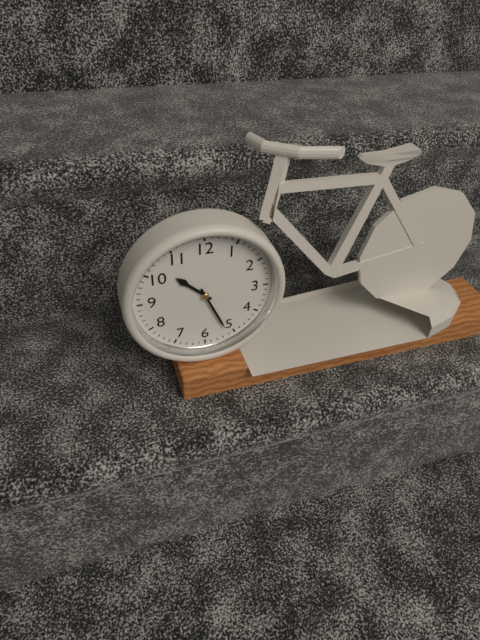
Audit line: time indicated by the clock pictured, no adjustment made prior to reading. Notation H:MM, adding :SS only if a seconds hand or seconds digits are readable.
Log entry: 10:26
